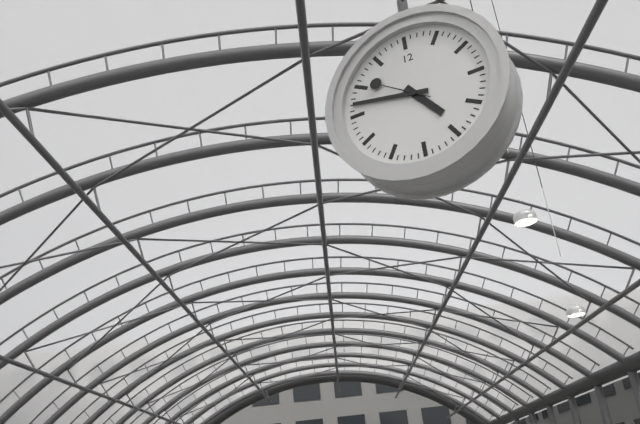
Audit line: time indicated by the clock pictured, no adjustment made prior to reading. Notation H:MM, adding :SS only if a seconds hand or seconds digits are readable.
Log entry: 4:47:51
